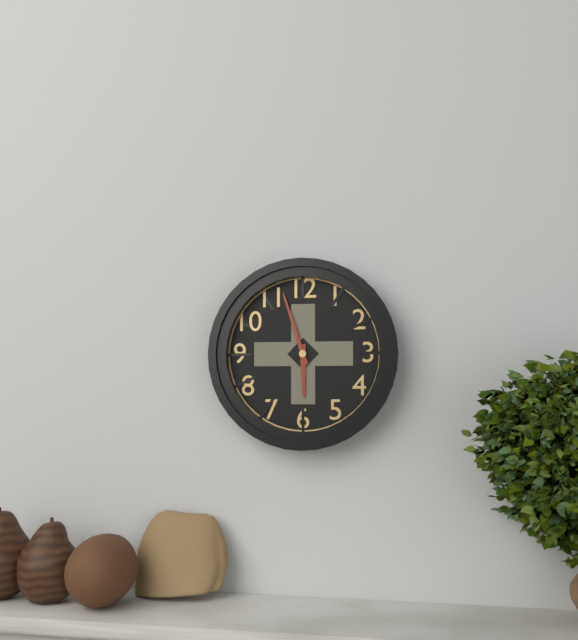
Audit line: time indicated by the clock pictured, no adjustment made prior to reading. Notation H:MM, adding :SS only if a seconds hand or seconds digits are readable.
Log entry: 5:57
